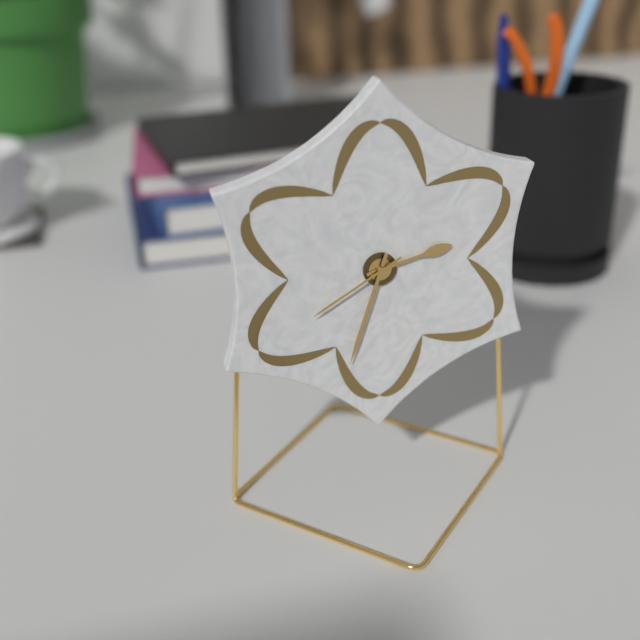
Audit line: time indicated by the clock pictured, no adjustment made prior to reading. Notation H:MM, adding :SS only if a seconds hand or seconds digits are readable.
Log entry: 2:33:40
